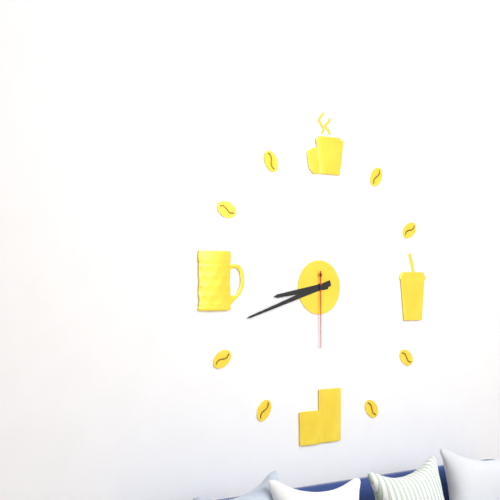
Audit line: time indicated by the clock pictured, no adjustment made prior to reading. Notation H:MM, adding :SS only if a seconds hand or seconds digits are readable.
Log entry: 8:42:30
